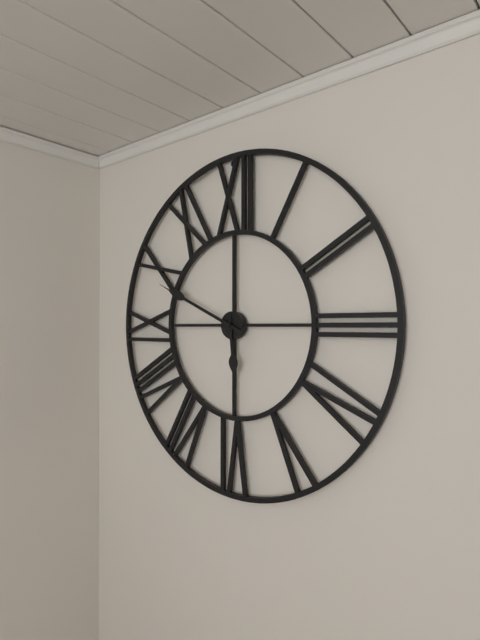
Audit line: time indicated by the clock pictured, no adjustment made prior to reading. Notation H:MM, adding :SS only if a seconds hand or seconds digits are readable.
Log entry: 5:49
